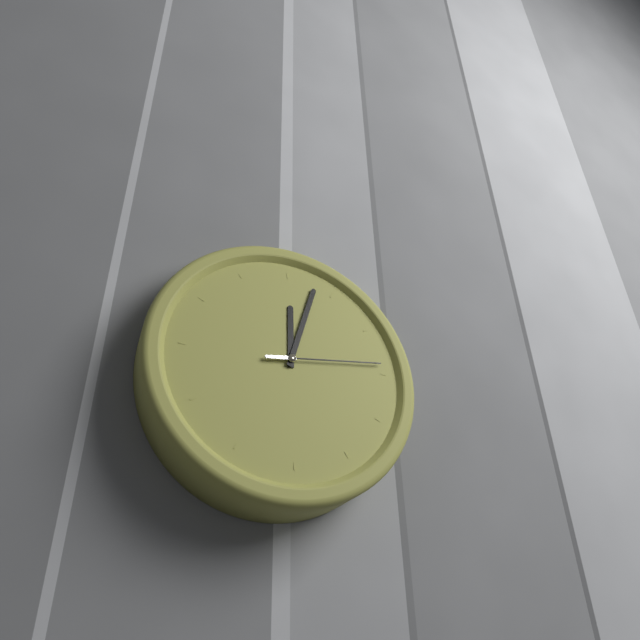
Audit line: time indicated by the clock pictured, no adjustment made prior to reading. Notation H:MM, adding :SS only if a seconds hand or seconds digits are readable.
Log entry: 12:03:14
